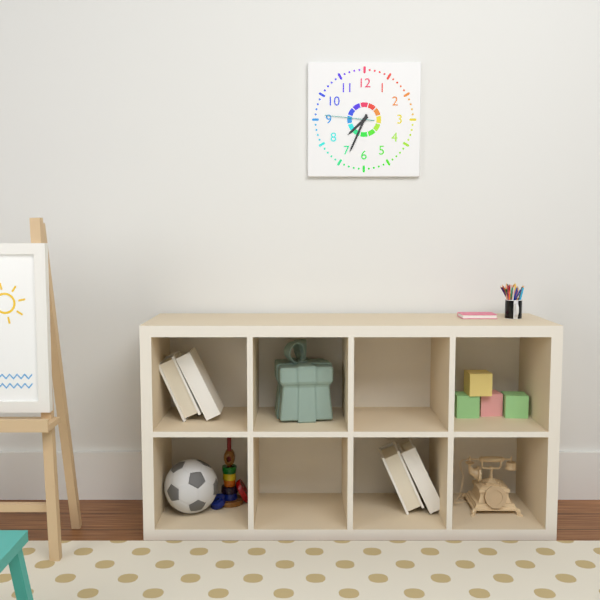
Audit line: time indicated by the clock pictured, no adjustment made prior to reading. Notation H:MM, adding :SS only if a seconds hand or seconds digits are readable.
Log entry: 7:34
